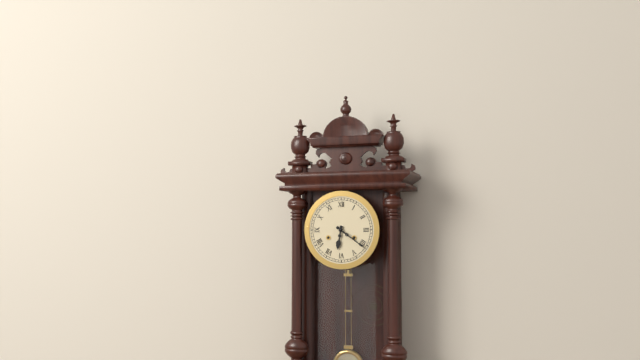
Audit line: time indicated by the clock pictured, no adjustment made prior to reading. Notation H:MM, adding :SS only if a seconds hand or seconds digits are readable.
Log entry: 6:21
